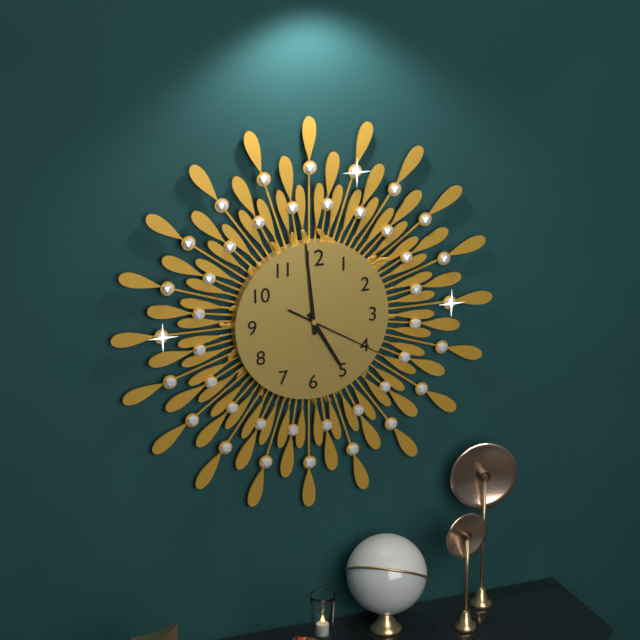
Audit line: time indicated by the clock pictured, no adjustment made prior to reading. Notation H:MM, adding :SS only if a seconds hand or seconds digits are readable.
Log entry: 4:59:20
